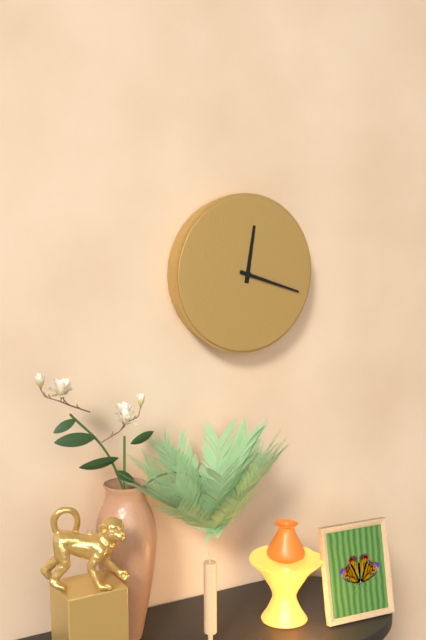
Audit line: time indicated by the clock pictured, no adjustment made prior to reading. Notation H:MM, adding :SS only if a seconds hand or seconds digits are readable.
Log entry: 12:18
